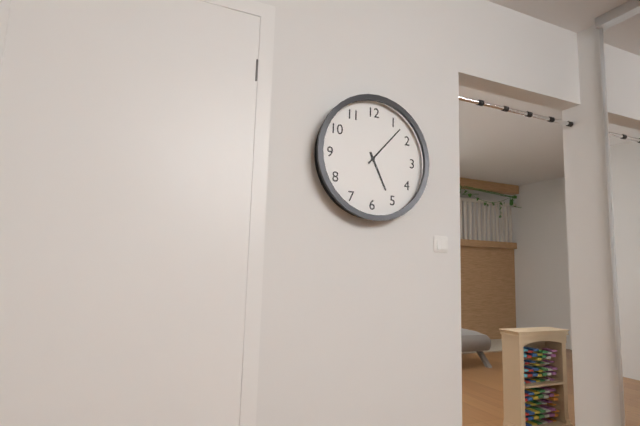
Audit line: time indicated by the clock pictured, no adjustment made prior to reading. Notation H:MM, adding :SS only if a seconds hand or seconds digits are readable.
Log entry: 5:07
